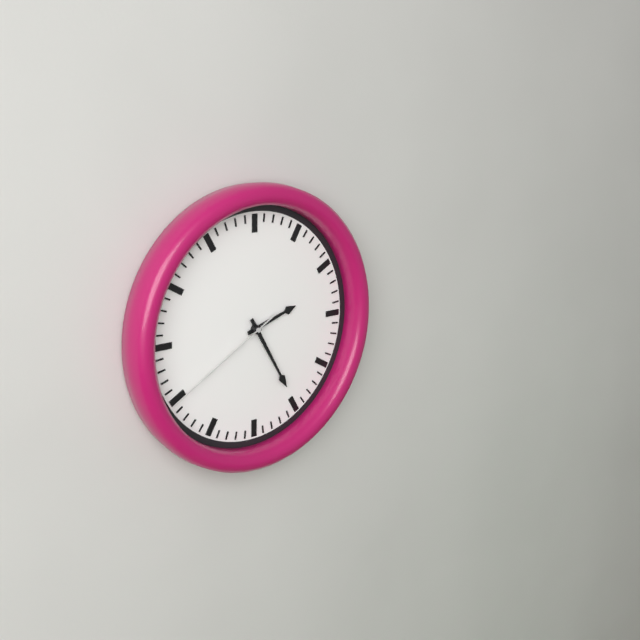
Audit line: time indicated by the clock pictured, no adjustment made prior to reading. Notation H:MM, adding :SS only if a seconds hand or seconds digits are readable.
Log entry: 2:25:40
